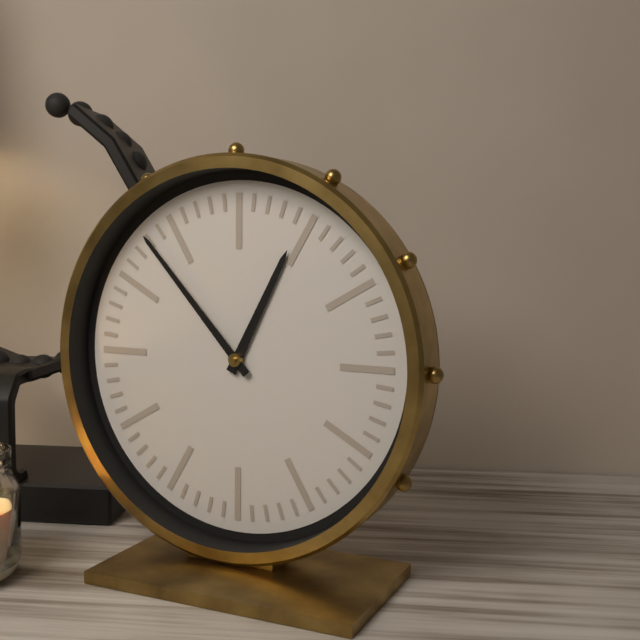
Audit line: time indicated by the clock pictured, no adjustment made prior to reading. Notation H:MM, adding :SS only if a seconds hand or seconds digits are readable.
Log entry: 12:53
